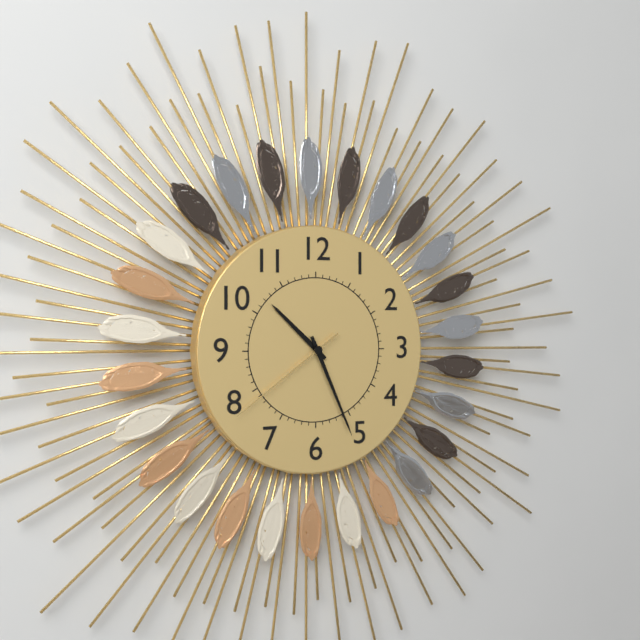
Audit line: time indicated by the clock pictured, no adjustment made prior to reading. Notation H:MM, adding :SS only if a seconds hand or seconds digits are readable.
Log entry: 10:26:39
